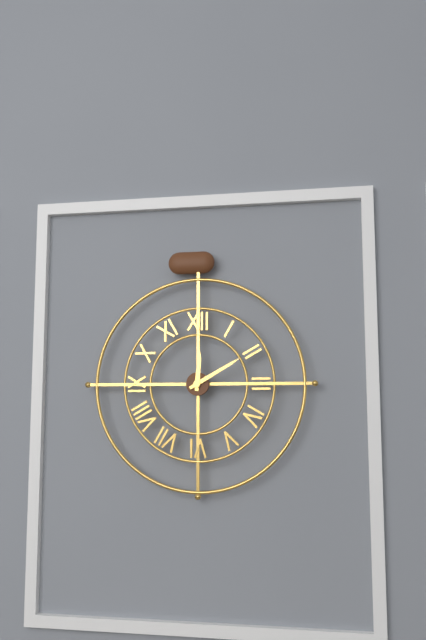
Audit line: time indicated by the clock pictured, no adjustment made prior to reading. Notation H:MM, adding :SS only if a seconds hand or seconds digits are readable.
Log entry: 12:10
